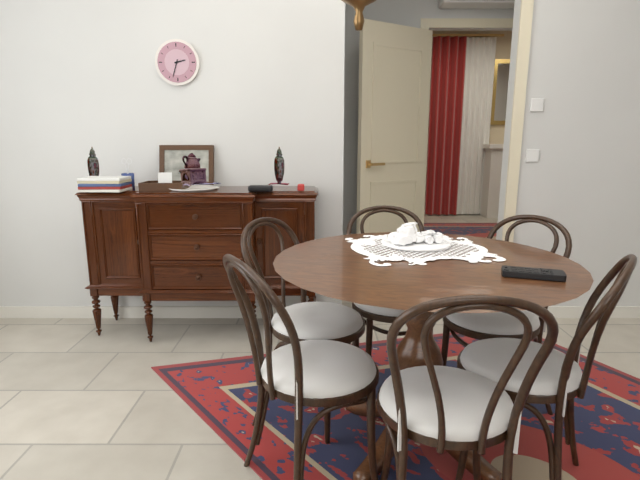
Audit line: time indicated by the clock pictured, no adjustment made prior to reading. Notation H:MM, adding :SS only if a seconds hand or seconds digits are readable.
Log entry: 2:33
